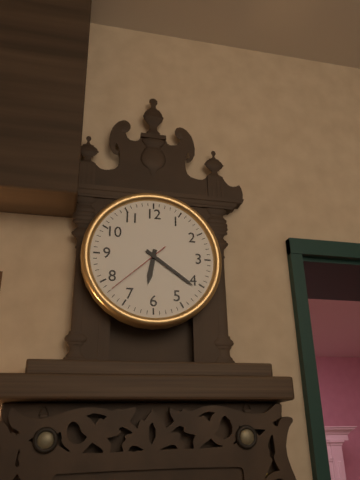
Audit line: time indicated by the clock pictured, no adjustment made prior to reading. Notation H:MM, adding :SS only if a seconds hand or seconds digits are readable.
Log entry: 6:21:38
